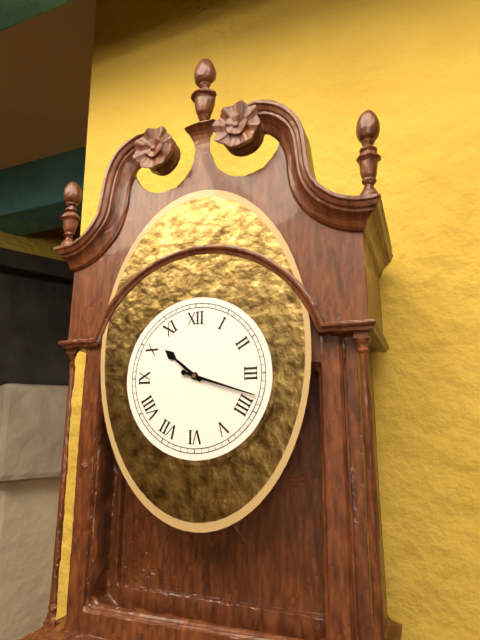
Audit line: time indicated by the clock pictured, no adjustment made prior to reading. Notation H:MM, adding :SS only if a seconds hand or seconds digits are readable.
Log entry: 10:18
